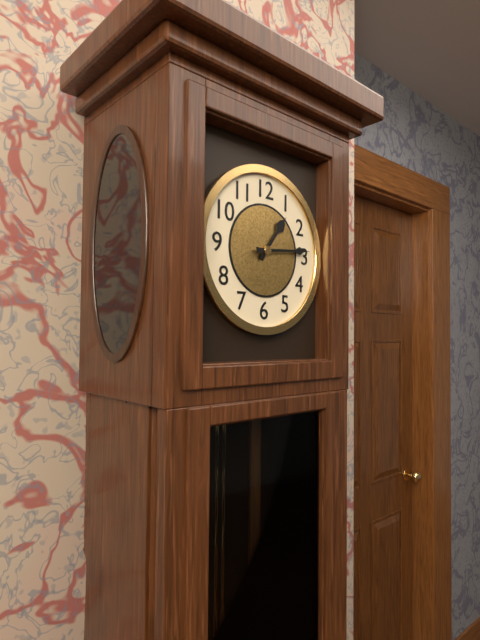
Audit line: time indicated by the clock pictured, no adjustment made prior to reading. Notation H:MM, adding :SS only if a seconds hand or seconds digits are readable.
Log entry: 1:14
